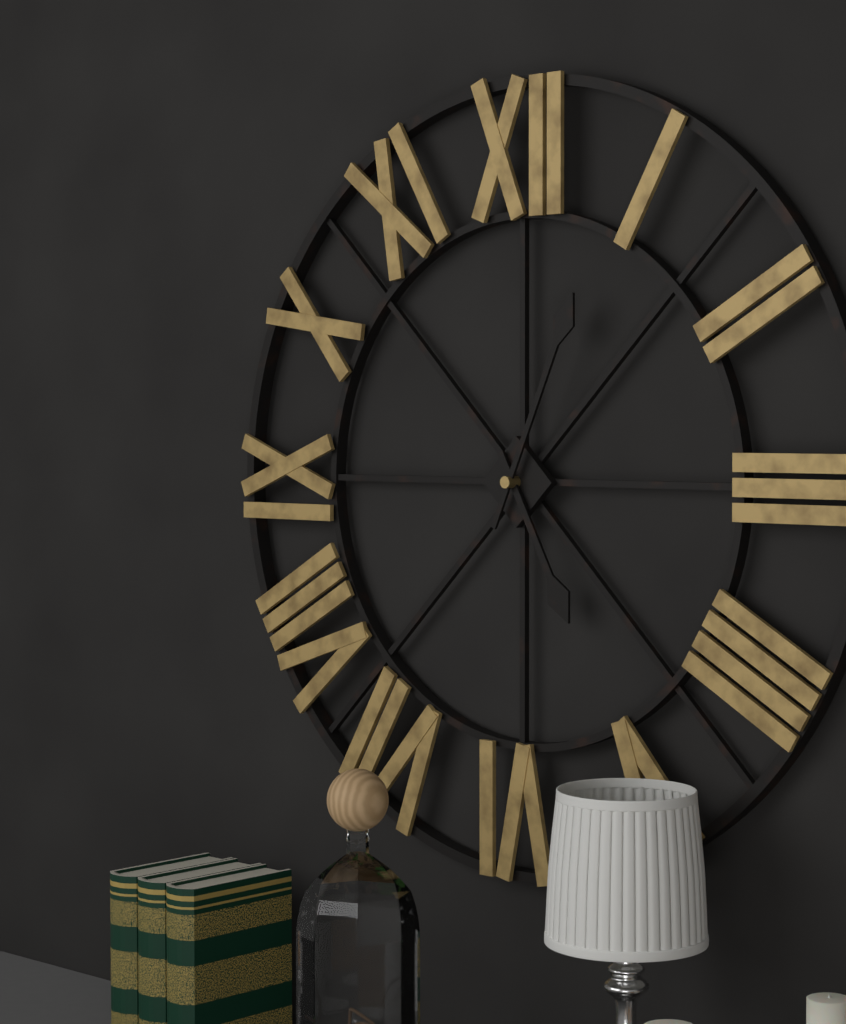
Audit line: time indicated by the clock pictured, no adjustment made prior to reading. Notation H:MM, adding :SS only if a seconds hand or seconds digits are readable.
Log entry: 5:04
